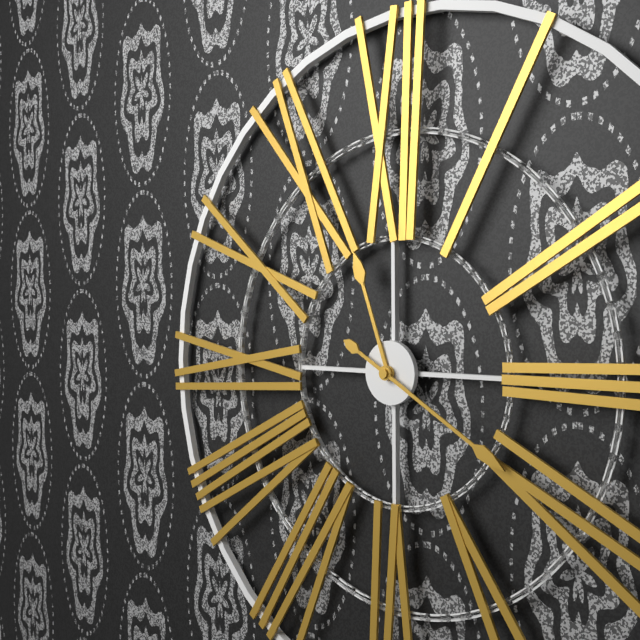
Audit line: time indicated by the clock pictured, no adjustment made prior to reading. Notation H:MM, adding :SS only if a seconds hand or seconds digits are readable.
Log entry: 11:20
